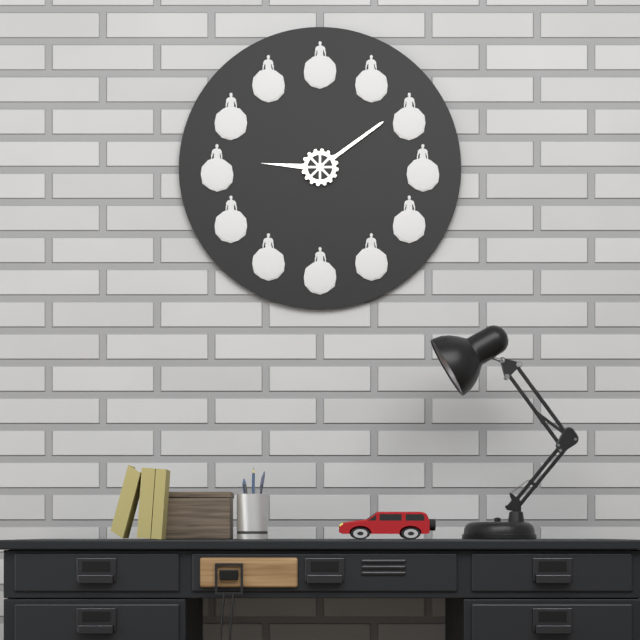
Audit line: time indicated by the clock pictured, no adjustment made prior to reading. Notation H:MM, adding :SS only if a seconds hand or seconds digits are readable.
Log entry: 9:09
